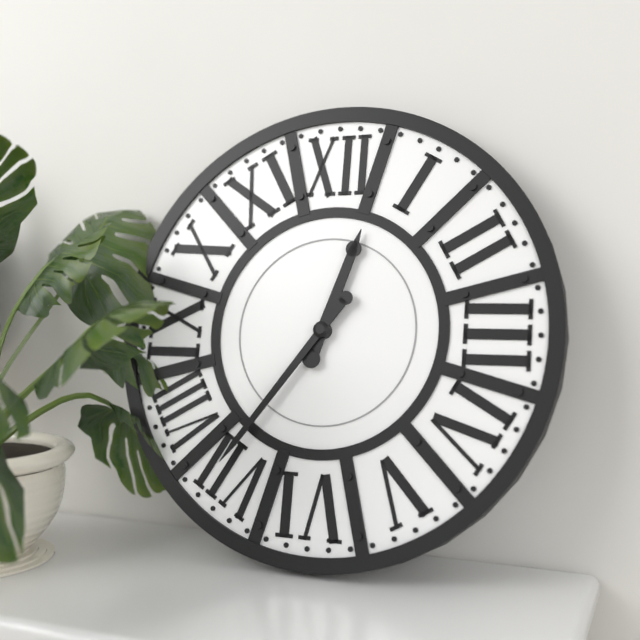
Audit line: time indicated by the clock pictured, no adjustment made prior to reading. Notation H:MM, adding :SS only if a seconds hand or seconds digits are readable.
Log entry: 12:36
